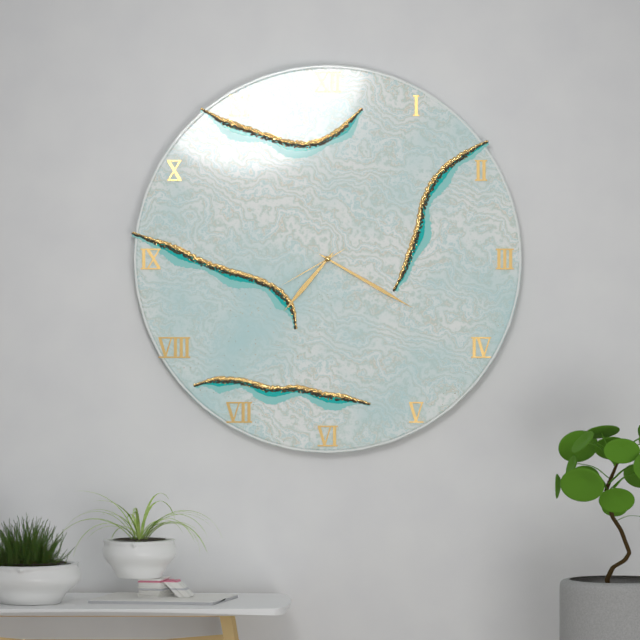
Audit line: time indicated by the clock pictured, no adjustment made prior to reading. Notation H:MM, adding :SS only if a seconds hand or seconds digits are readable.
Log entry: 7:20:40
